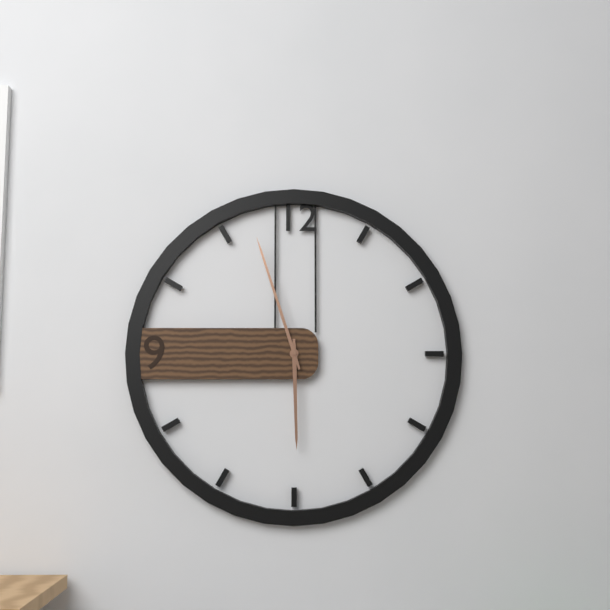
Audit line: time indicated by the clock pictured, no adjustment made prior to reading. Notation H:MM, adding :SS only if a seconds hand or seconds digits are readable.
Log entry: 5:57
